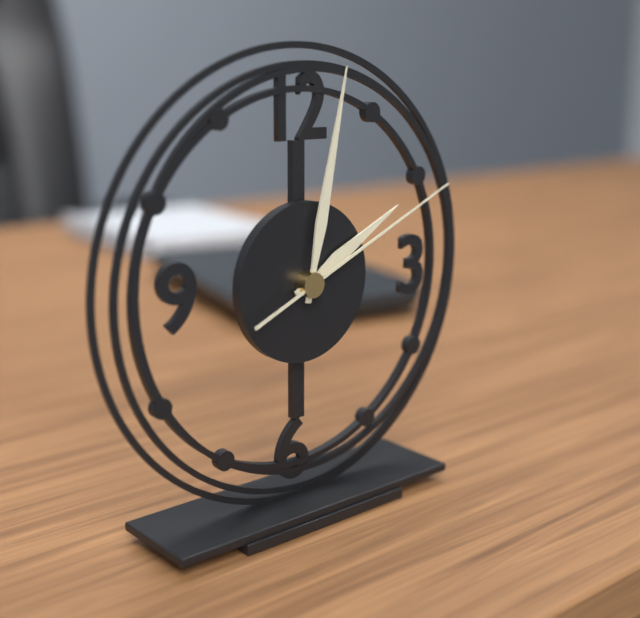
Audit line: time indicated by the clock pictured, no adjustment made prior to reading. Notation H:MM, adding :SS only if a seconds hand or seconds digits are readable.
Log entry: 2:02:11
